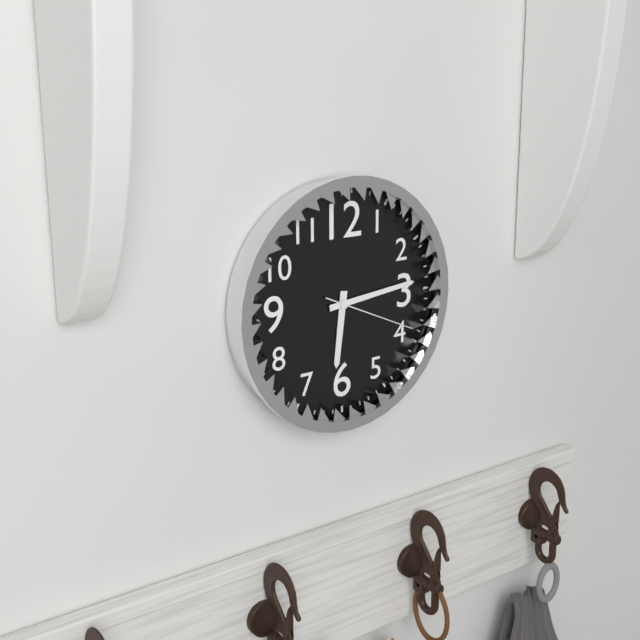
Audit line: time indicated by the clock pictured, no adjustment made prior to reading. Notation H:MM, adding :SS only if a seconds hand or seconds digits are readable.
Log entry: 6:14:19
